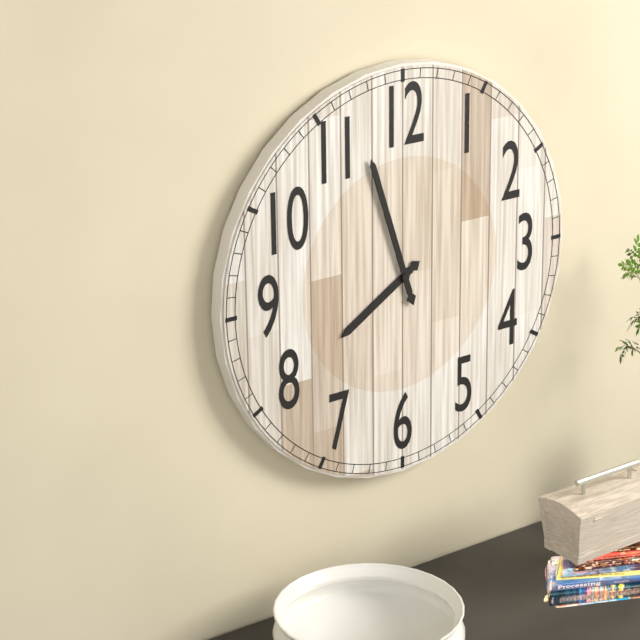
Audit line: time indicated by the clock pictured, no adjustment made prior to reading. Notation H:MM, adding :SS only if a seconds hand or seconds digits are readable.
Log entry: 7:57
